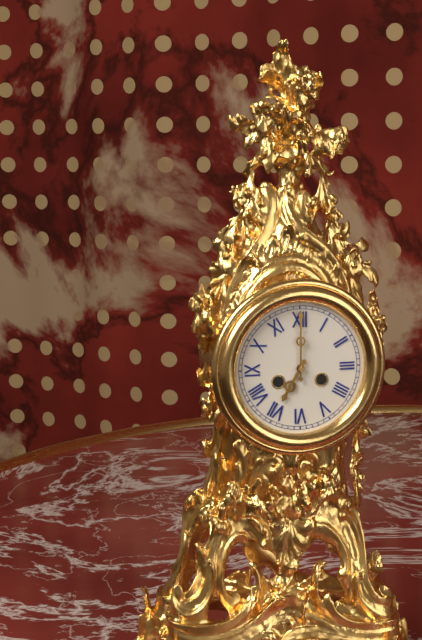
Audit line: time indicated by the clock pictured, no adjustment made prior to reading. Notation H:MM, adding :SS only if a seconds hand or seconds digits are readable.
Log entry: 7:00
